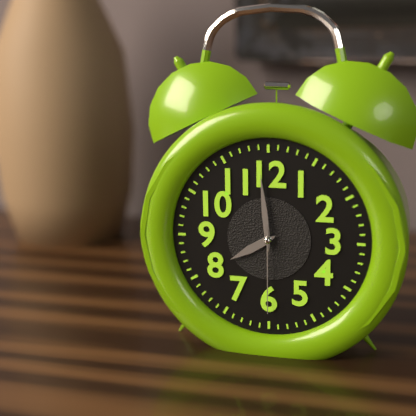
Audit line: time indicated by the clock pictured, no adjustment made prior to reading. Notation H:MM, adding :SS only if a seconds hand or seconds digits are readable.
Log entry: 7:59:30
